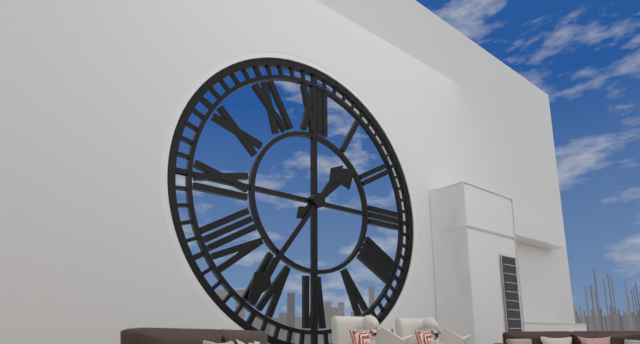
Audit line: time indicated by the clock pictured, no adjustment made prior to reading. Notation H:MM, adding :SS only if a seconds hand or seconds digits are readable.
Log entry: 1:36
